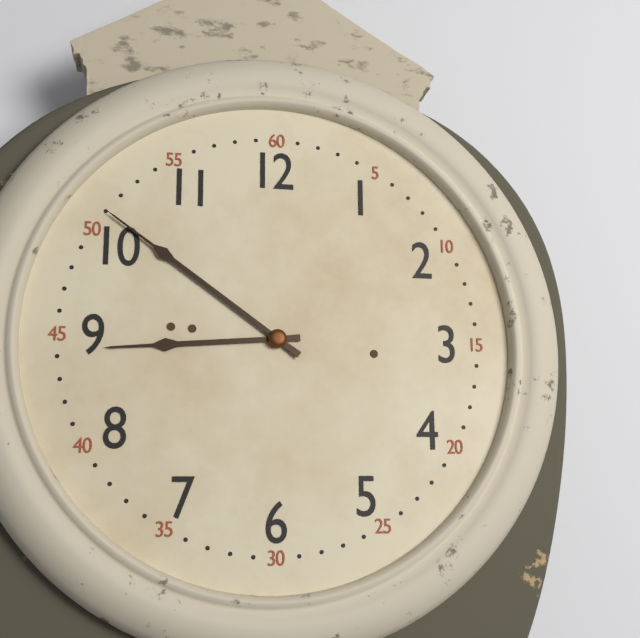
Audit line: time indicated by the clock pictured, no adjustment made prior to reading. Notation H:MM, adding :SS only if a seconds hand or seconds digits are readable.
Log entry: 8:51
